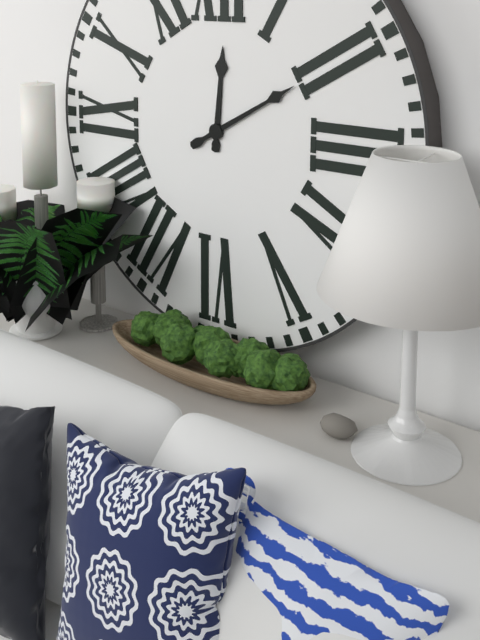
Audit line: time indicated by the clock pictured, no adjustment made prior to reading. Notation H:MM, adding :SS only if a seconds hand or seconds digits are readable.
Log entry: 12:10
